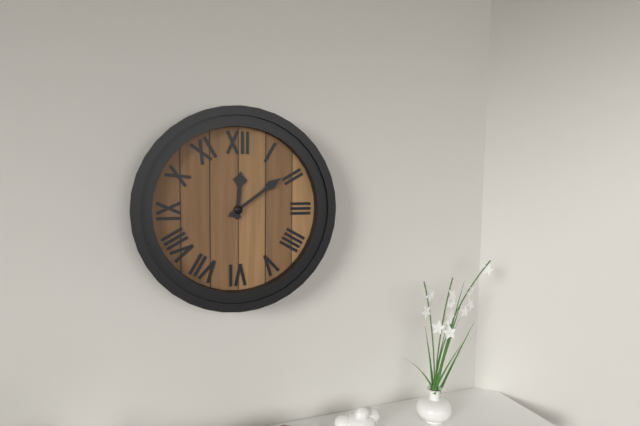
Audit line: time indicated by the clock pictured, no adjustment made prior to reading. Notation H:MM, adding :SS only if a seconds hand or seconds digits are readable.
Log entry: 12:09
